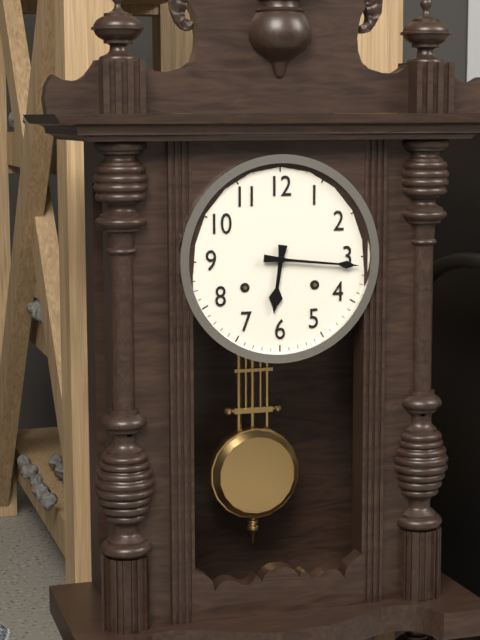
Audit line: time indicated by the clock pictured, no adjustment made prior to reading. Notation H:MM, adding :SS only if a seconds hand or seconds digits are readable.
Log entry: 6:16
